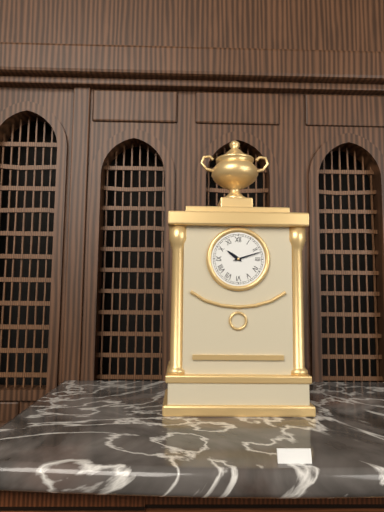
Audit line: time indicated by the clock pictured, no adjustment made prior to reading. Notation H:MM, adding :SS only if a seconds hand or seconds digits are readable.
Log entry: 10:12
